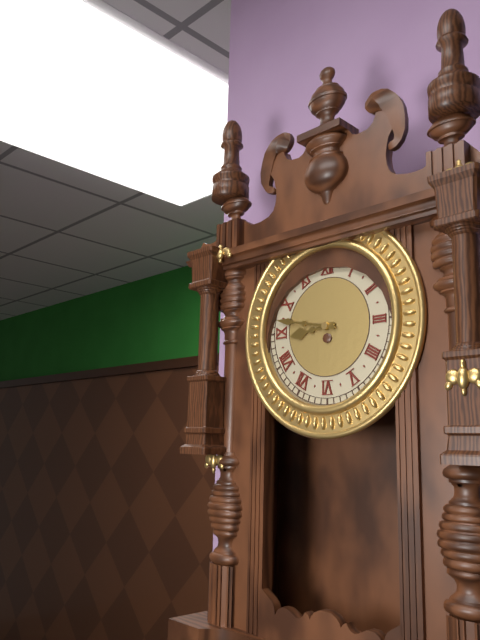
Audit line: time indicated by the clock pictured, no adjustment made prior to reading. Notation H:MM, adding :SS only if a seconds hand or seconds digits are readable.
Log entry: 8:47
